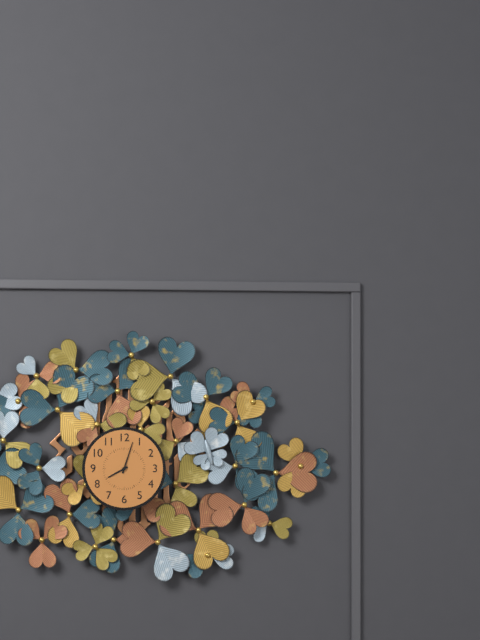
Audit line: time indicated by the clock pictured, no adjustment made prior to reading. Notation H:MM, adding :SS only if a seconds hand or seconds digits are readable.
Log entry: 8:03
